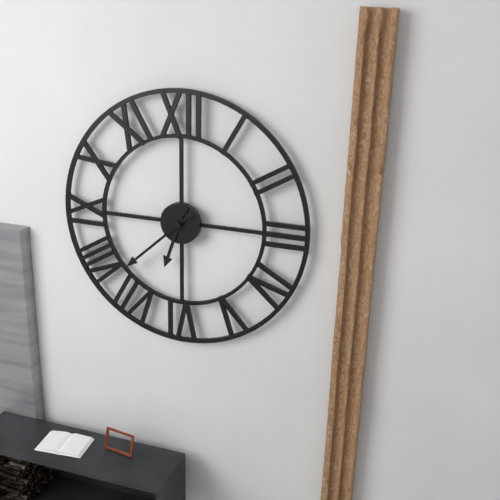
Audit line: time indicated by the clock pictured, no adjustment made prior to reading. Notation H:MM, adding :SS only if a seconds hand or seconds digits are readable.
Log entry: 6:38
